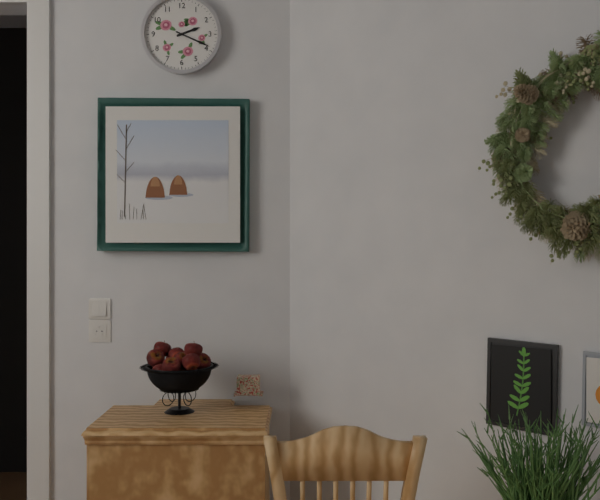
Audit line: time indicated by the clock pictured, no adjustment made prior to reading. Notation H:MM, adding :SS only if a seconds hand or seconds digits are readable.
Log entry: 2:19
